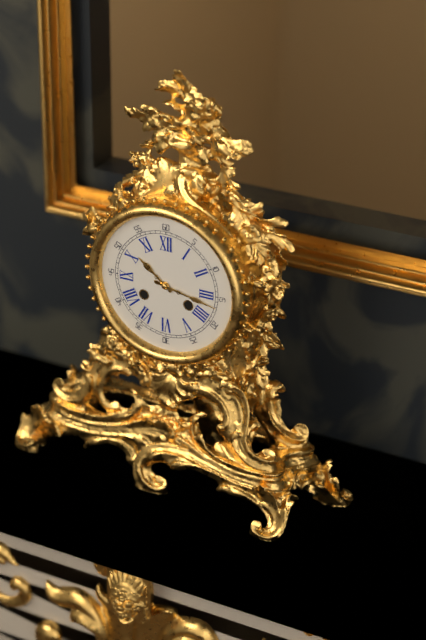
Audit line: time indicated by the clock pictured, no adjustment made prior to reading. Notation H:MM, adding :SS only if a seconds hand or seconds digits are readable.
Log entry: 10:17
